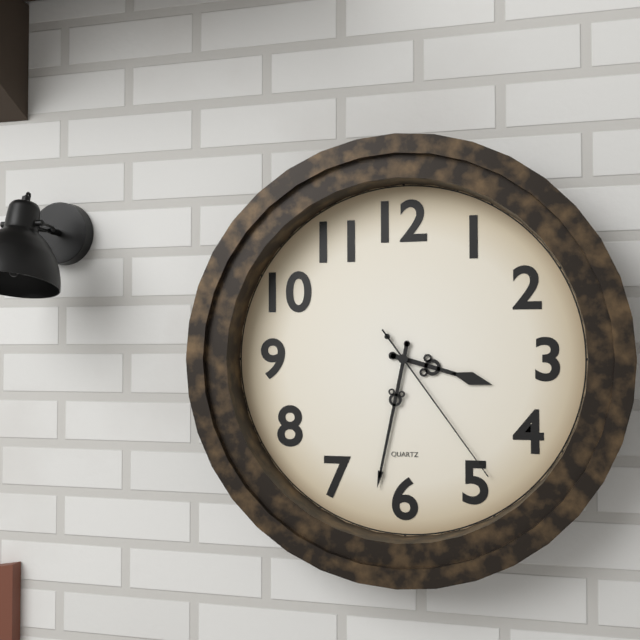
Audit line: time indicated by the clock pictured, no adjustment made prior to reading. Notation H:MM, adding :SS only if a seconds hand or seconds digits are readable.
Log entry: 3:32:24
